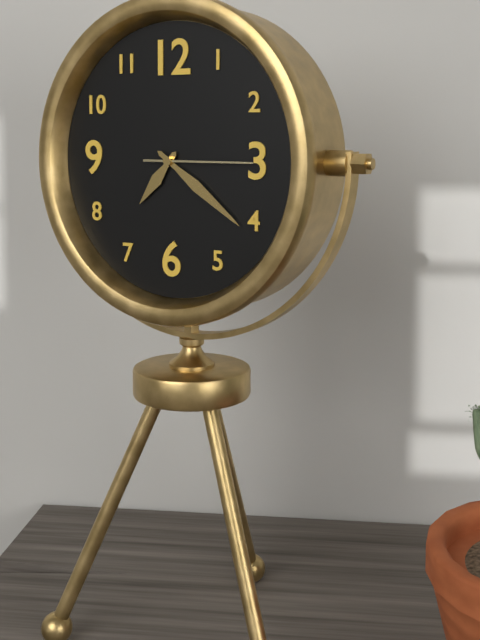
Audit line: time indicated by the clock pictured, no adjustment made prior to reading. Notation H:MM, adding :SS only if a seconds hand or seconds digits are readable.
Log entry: 7:21:15
